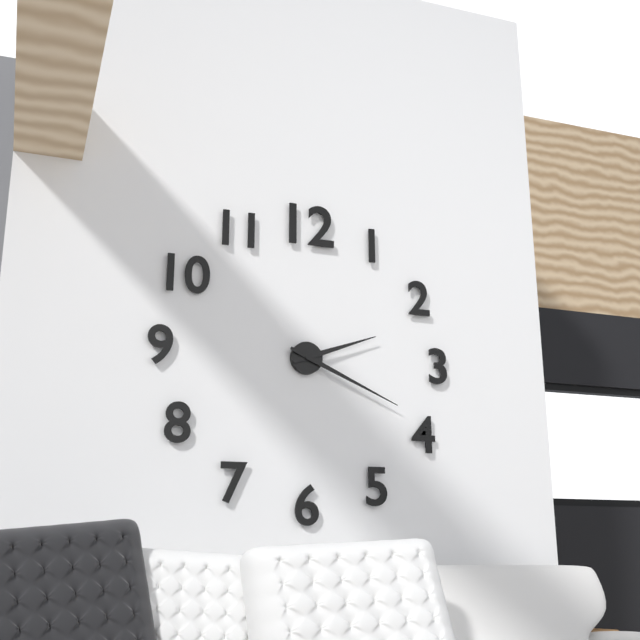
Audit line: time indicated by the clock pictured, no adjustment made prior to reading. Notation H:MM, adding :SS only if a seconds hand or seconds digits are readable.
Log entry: 2:19
